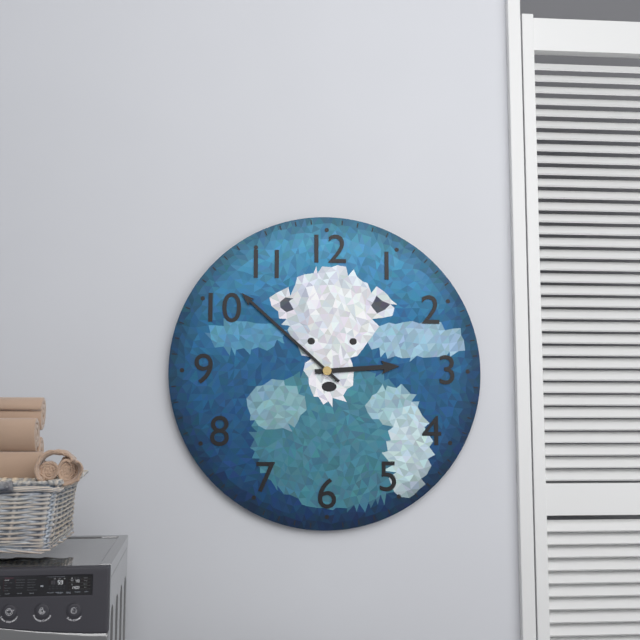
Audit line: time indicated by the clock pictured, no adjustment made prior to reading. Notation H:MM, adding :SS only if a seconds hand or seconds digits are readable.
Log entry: 2:52
